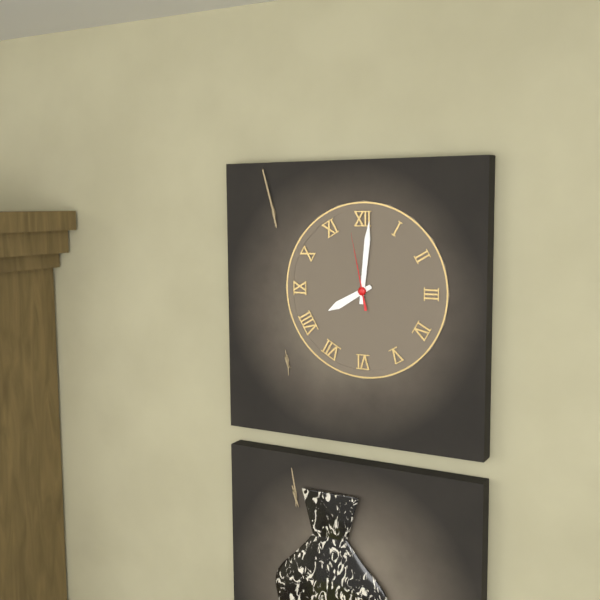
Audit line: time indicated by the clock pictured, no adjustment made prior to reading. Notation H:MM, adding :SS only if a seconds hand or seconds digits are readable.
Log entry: 8:01:58
